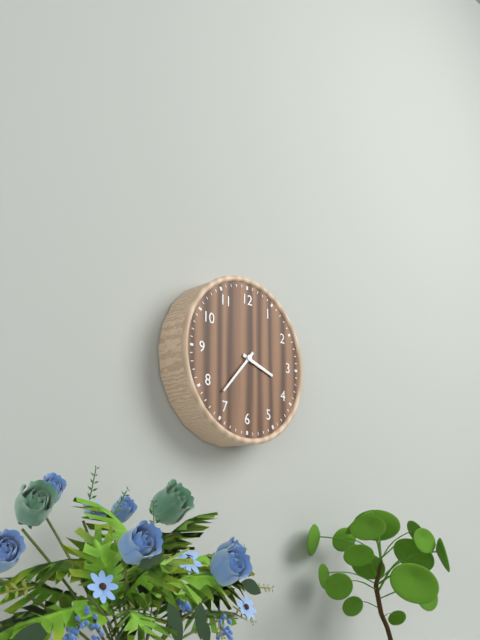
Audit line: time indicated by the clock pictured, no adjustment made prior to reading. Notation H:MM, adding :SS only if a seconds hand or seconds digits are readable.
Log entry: 3:37
